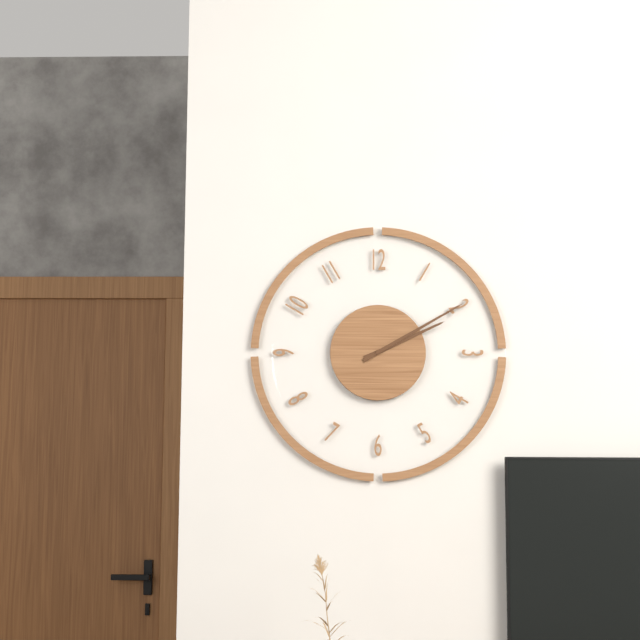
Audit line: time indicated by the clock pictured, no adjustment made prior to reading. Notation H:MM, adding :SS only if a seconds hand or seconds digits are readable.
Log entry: 2:10
